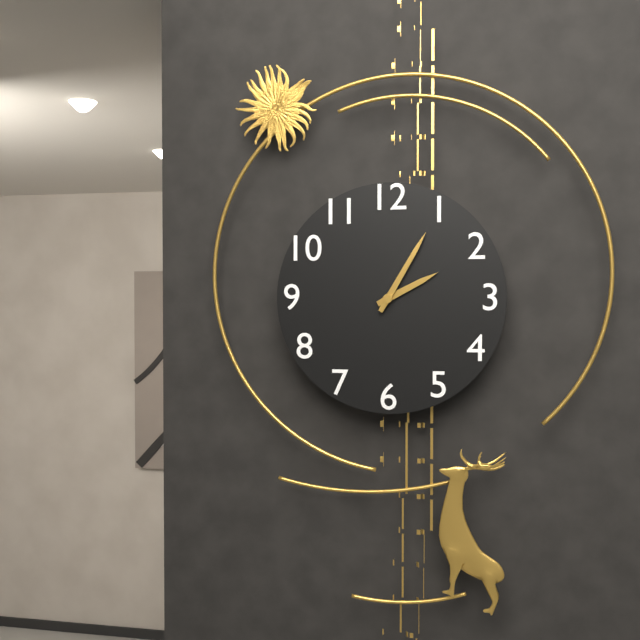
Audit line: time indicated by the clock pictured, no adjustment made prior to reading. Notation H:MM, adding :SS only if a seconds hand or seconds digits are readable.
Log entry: 2:05
